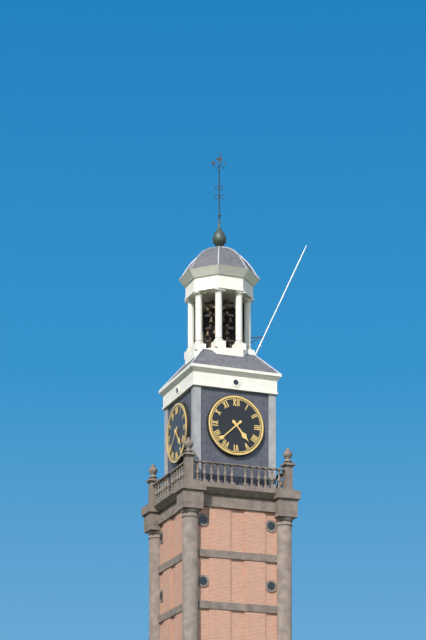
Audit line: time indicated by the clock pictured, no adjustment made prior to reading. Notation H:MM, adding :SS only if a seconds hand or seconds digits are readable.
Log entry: 4:38
